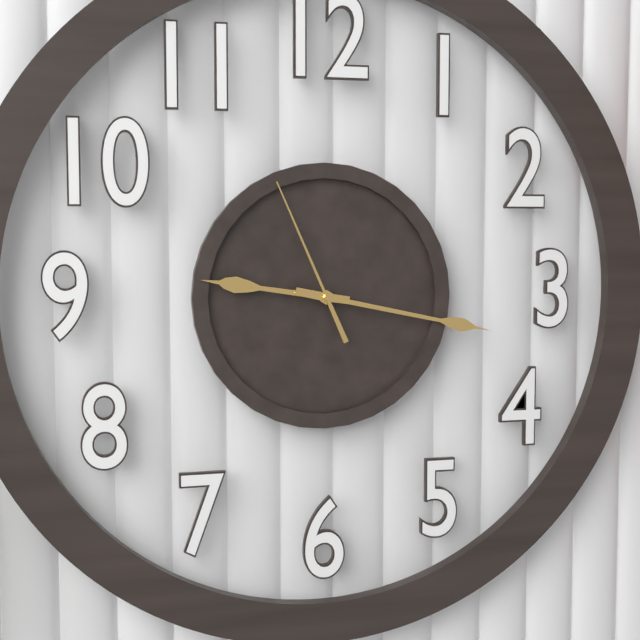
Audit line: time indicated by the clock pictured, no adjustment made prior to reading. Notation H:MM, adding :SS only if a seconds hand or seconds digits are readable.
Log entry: 9:17:56
